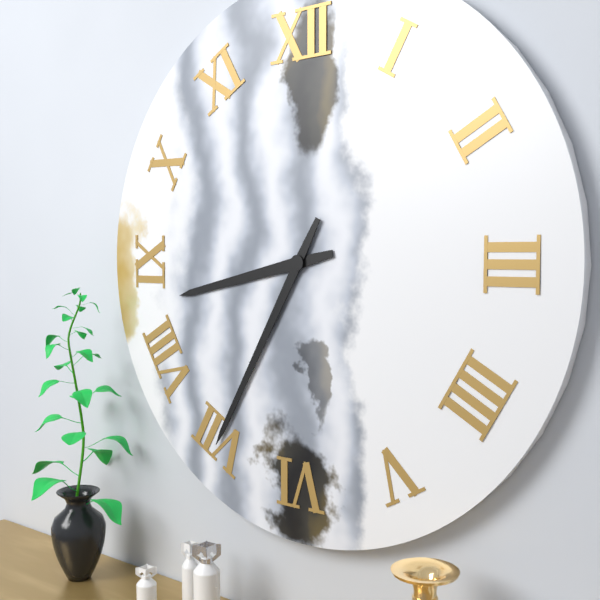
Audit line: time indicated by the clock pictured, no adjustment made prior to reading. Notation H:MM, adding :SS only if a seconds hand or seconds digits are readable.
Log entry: 8:35
